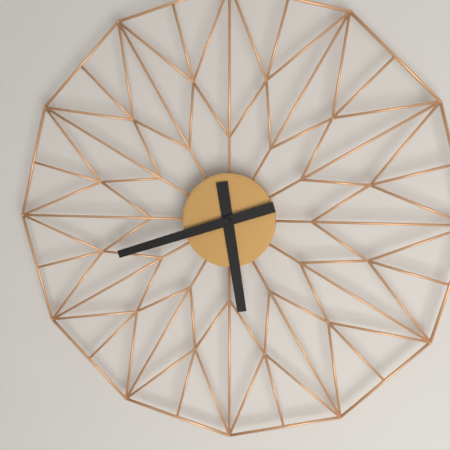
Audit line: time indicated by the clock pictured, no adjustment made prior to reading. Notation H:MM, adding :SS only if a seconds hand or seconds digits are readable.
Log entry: 5:42
